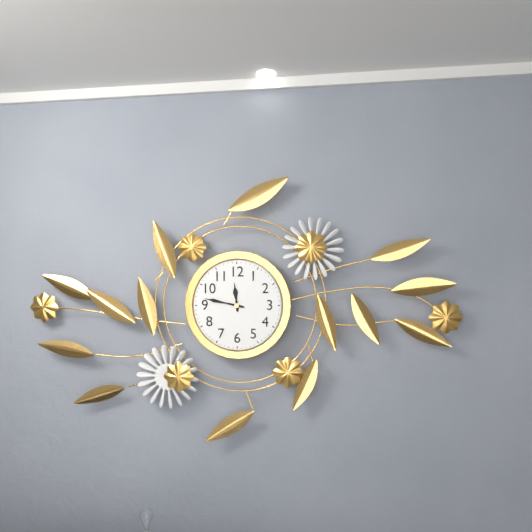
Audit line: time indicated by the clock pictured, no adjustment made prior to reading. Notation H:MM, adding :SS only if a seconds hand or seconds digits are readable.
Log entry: 11:47
